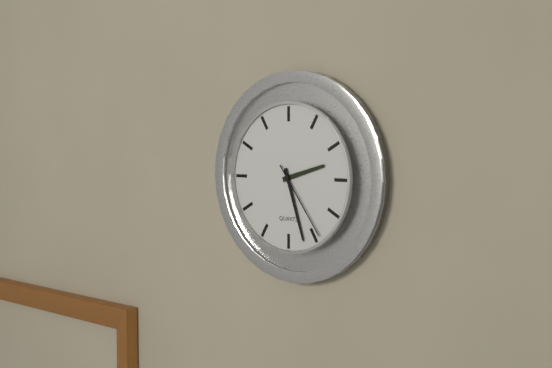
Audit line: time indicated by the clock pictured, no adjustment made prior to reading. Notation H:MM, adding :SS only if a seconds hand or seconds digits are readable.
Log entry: 2:27:24
